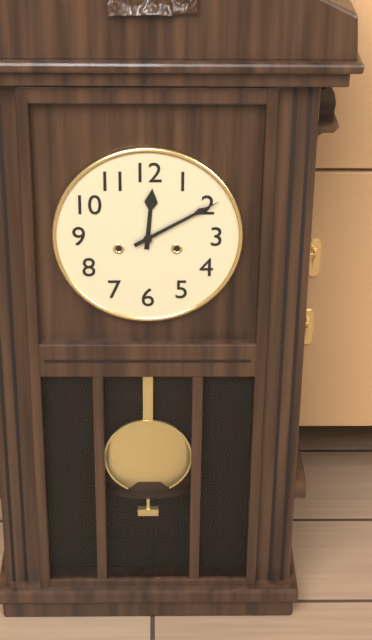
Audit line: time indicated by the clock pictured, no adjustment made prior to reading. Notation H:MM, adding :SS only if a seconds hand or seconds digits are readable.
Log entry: 12:10
